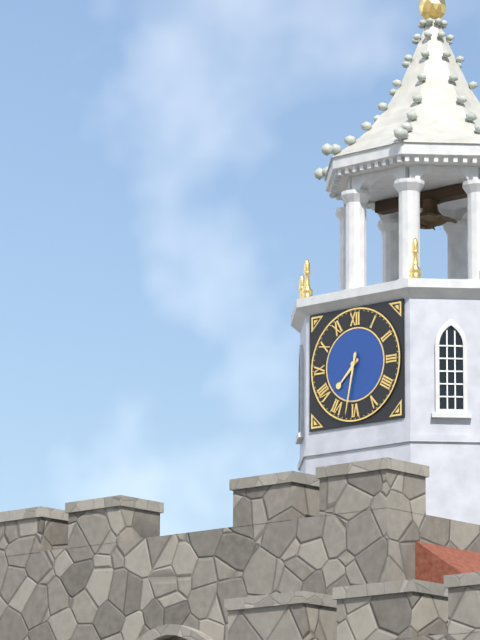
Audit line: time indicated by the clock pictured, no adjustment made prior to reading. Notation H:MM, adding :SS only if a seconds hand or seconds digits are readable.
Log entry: 7:32
